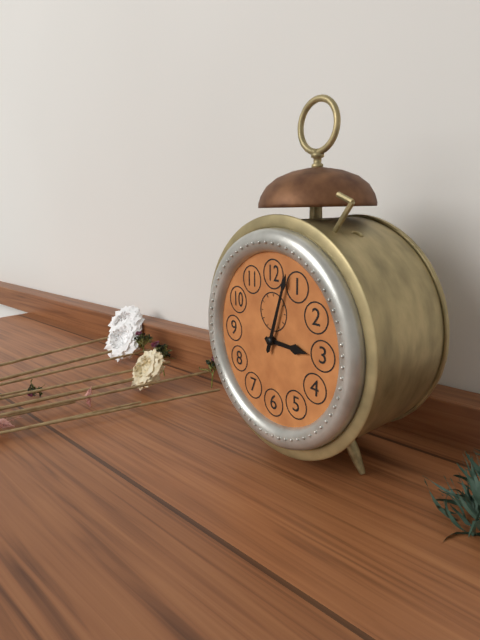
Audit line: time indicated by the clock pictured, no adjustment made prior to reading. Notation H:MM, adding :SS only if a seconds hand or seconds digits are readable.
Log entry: 3:03
